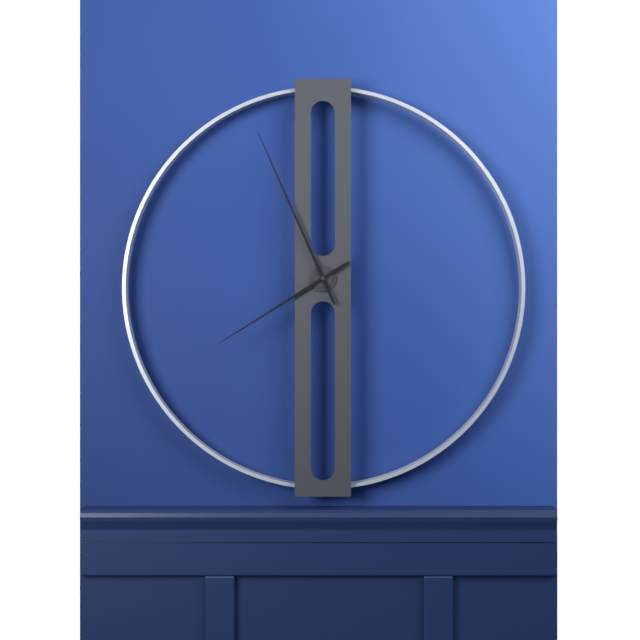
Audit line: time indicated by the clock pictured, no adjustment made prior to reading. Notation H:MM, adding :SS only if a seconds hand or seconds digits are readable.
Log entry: 7:56
